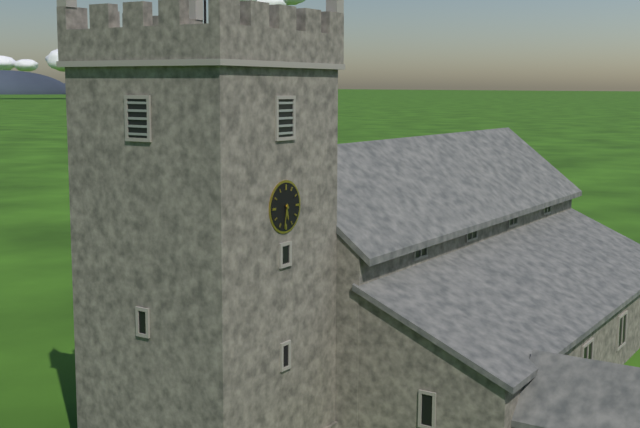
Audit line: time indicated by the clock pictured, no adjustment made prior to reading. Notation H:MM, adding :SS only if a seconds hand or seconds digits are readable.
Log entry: 5:32
